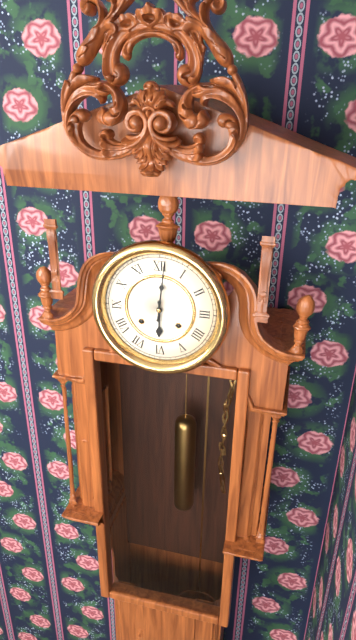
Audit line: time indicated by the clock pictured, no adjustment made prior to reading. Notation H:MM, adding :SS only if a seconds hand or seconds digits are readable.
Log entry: 6:01
